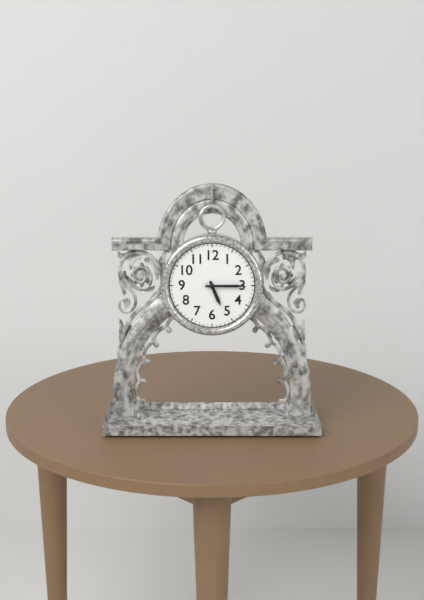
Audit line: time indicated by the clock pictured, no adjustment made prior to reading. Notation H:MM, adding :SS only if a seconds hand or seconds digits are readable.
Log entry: 5:15
